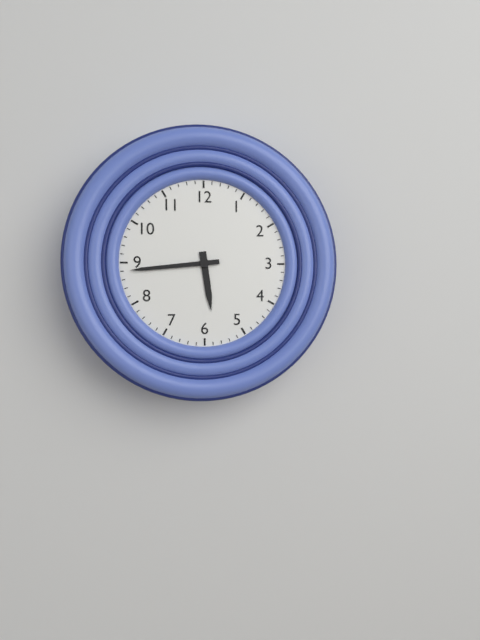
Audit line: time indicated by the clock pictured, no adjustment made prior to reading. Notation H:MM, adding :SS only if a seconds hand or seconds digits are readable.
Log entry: 5:44
